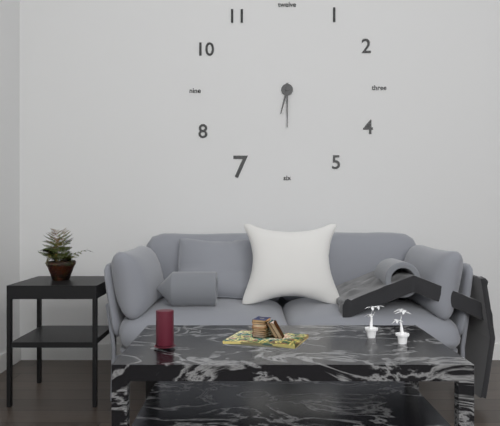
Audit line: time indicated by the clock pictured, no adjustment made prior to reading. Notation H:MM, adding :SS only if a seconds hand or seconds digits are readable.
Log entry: 6:30
